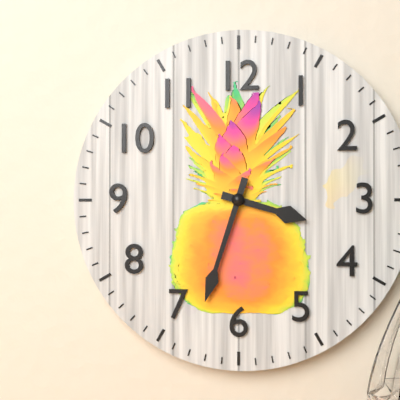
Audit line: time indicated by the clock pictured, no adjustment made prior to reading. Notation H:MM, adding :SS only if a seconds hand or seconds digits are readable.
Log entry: 3:33
